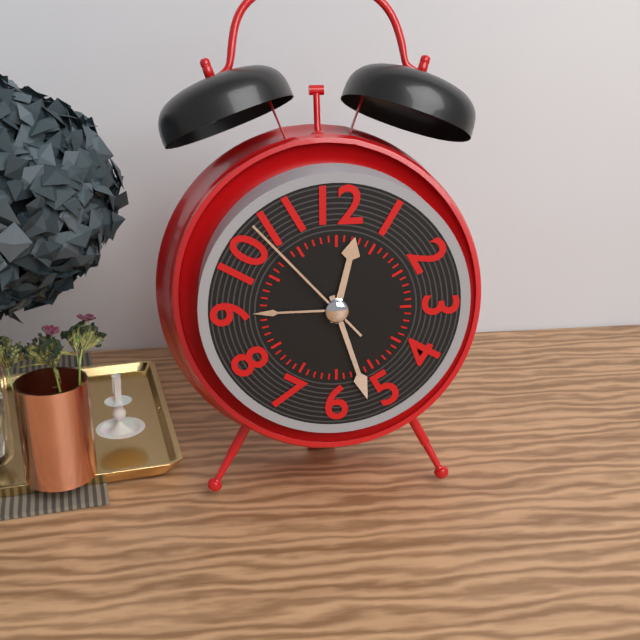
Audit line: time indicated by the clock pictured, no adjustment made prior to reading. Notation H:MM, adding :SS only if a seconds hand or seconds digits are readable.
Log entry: 12:27:53
